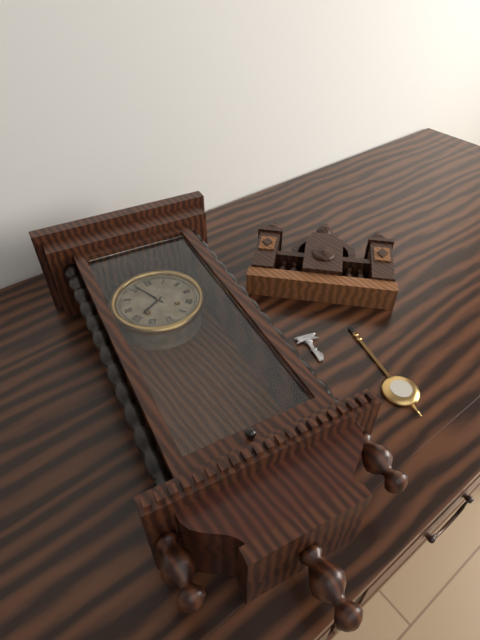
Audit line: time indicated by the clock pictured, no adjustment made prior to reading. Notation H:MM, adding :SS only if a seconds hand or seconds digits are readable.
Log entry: 7:56
